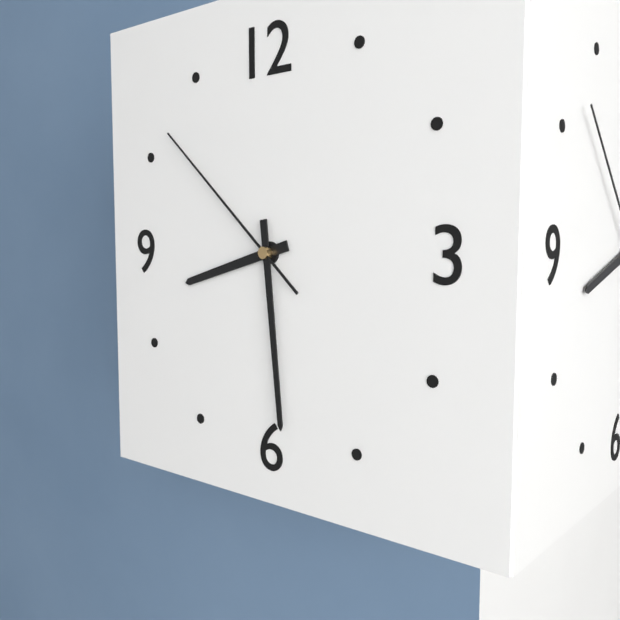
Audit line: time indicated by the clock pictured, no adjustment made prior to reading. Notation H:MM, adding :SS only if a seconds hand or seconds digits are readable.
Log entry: 8:29:52
